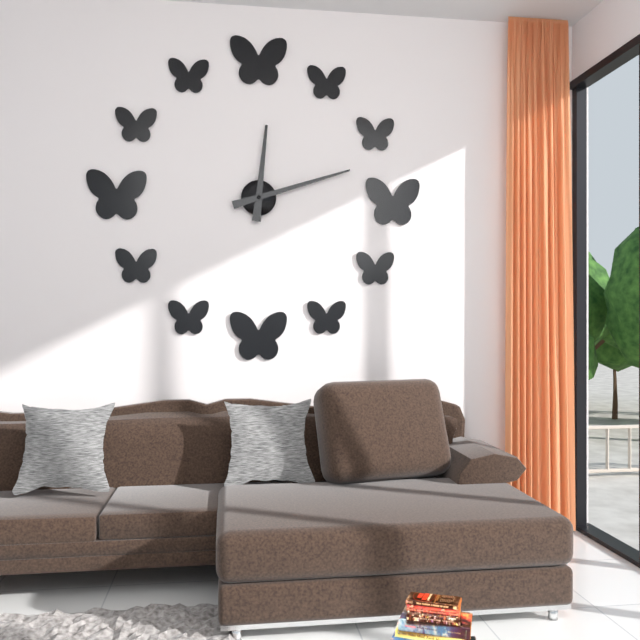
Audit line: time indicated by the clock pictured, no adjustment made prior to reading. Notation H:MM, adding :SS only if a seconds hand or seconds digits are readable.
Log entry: 12:12
